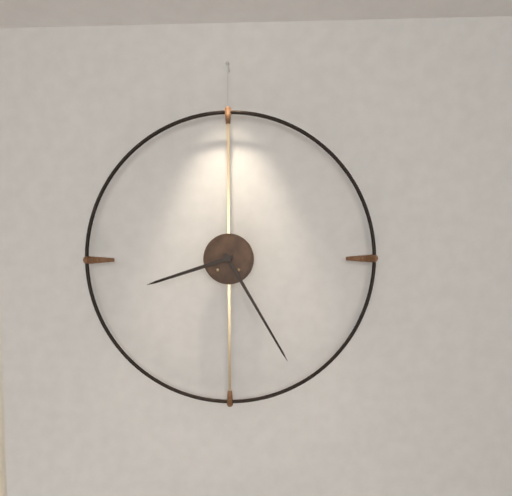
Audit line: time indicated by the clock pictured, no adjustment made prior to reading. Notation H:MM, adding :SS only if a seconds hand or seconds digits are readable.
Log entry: 8:25
